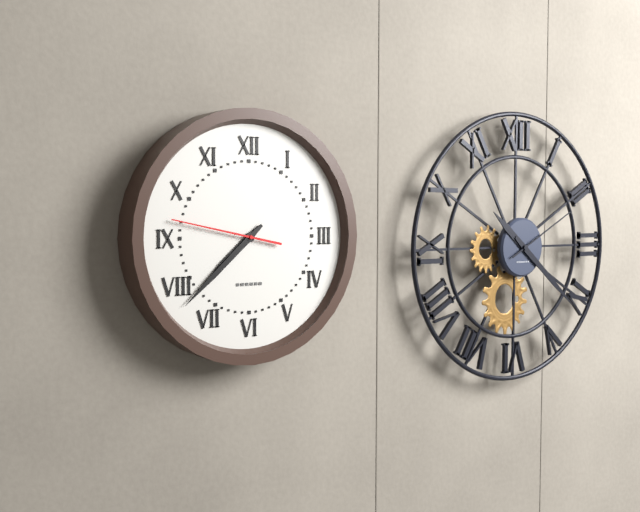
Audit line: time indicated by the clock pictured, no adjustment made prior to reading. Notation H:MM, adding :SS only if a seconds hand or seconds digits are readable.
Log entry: 7:38:47
